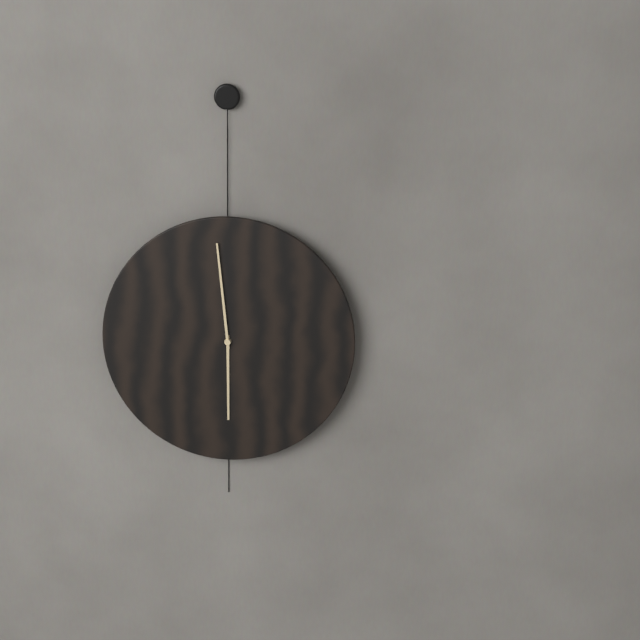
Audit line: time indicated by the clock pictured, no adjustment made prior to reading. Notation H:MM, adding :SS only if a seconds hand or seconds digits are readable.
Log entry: 5:59
